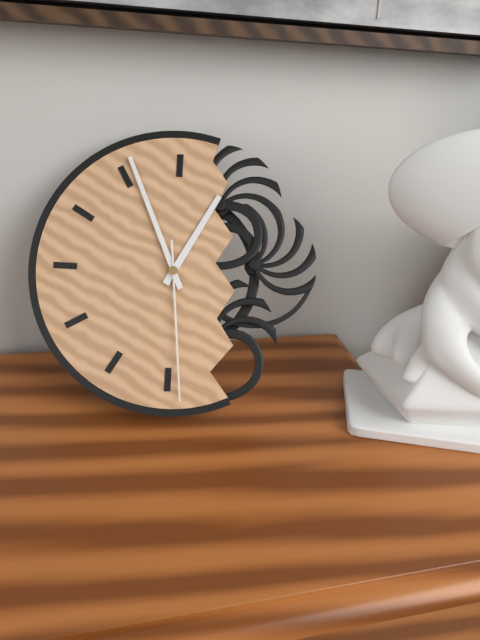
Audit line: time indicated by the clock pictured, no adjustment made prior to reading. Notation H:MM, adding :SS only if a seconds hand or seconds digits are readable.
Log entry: 12:56:29
